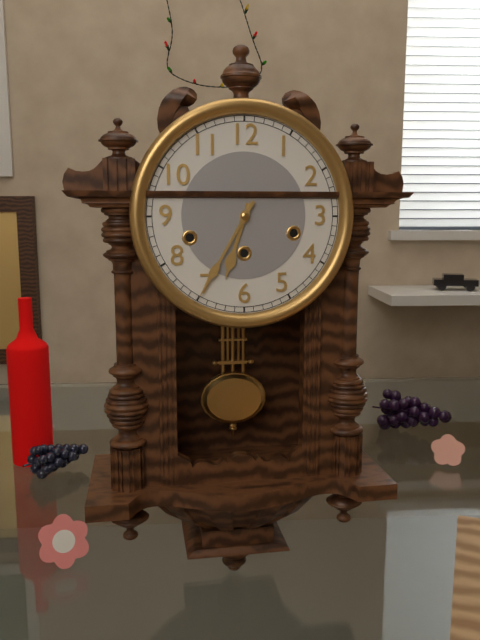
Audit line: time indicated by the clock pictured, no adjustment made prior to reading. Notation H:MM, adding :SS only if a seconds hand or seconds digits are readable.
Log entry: 6:35
